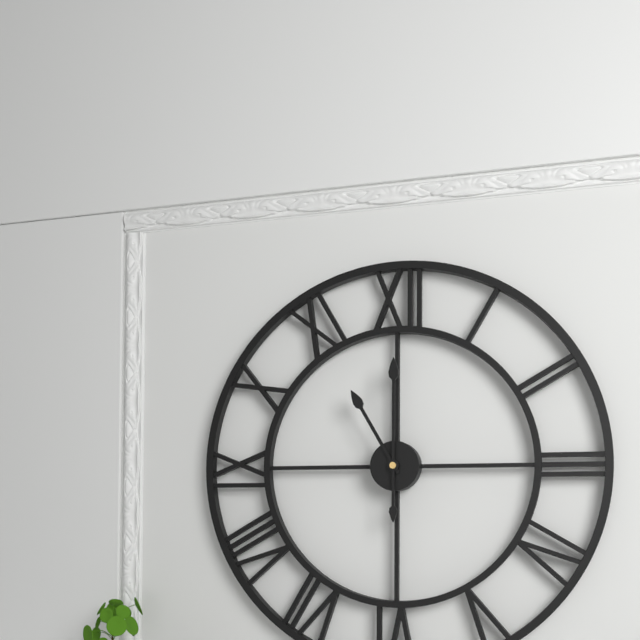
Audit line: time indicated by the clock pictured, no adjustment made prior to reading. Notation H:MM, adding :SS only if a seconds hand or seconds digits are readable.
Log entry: 11:00
